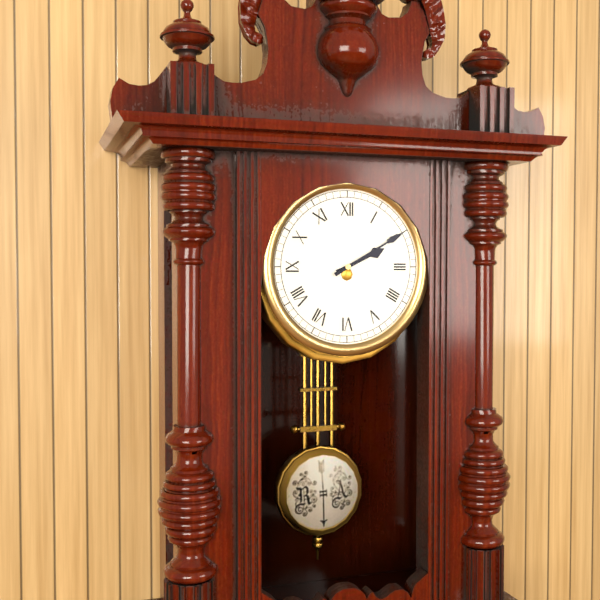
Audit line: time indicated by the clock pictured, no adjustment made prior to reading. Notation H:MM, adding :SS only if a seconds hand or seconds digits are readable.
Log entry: 2:10
